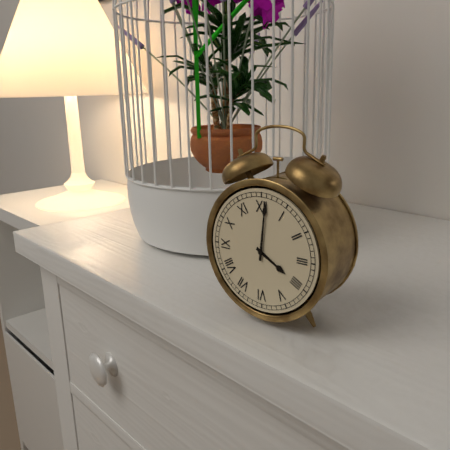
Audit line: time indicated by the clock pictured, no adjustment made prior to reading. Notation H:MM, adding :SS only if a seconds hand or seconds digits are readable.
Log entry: 4:01
